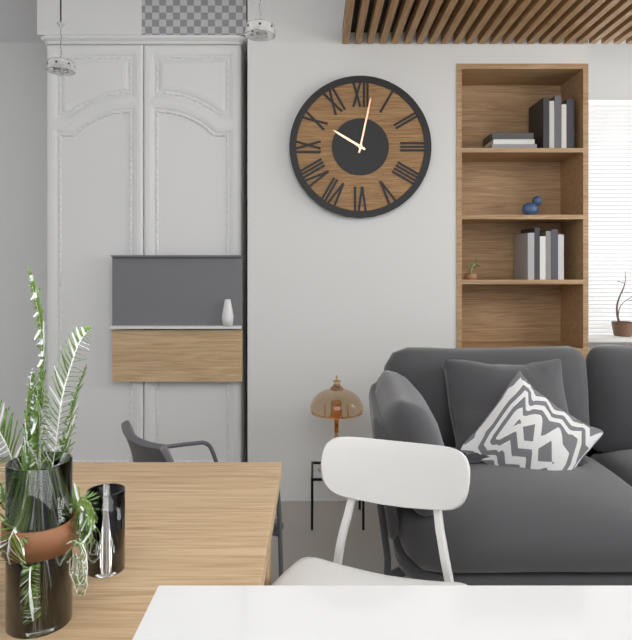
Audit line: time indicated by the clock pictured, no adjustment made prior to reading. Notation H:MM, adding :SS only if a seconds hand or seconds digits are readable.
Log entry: 10:02
